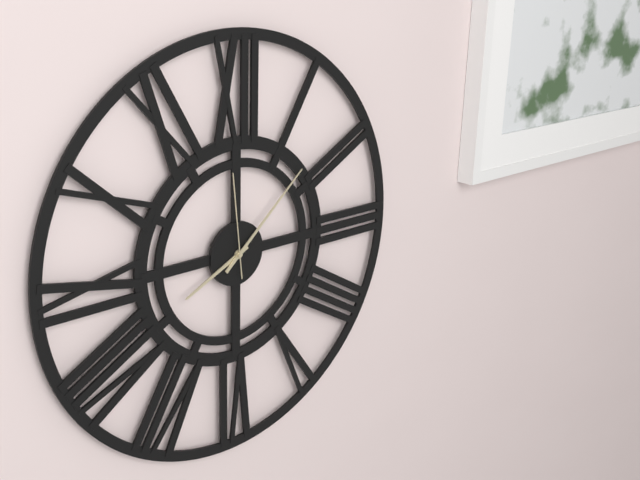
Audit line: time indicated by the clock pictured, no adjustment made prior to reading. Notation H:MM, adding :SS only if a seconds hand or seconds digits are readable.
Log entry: 8:08:59
